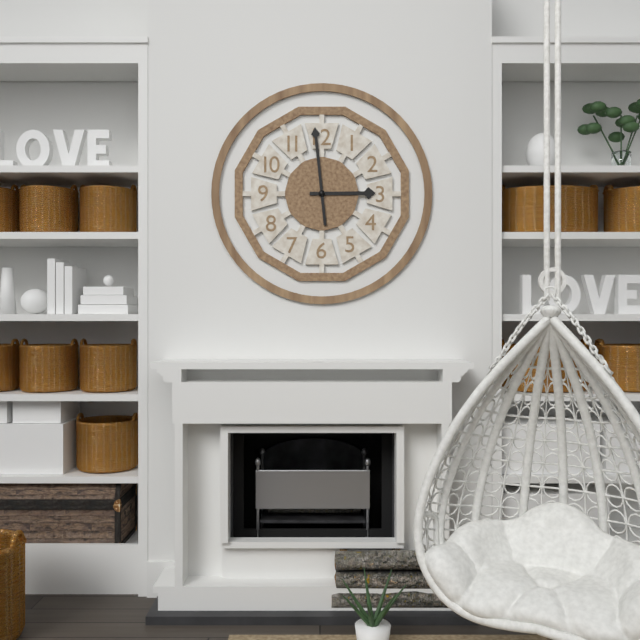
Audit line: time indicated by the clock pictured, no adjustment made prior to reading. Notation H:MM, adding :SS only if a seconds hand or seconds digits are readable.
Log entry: 2:59
